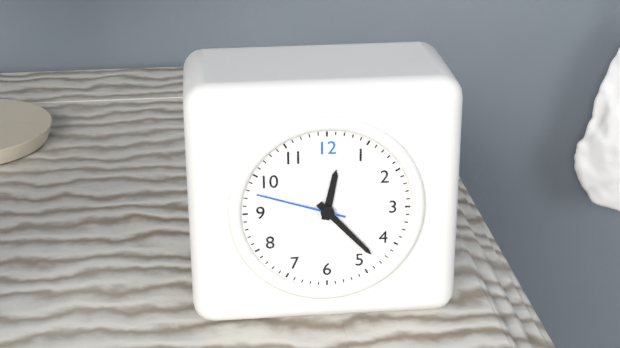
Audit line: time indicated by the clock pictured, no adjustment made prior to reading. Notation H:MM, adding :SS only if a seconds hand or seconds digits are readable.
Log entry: 12:23:48
